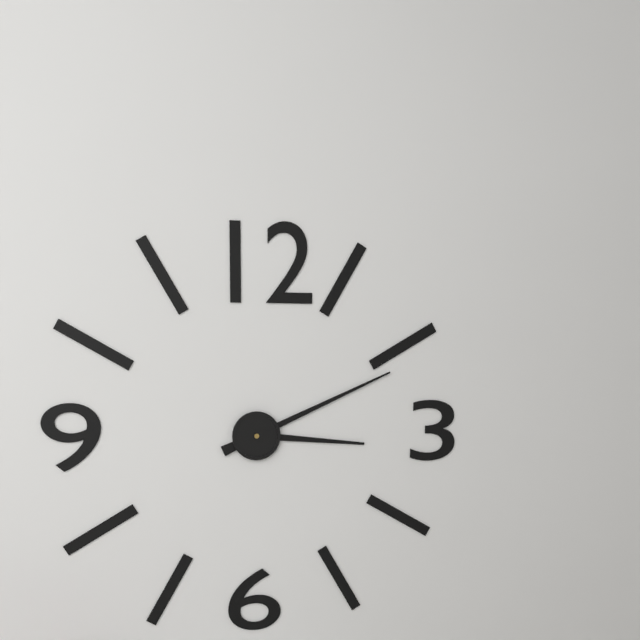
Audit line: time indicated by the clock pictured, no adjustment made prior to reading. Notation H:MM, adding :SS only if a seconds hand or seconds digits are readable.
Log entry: 3:11
